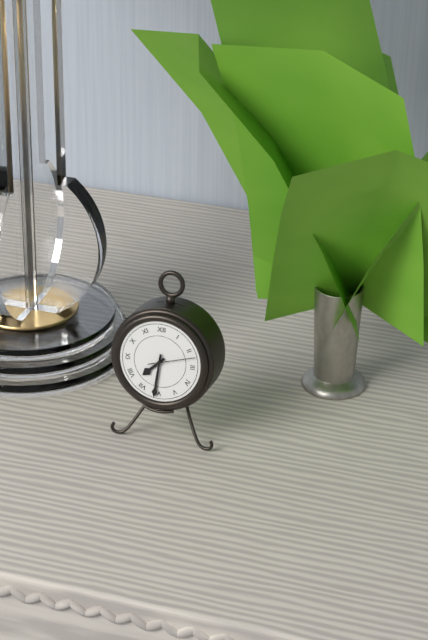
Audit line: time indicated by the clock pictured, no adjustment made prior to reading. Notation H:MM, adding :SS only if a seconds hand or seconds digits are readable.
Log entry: 7:31
